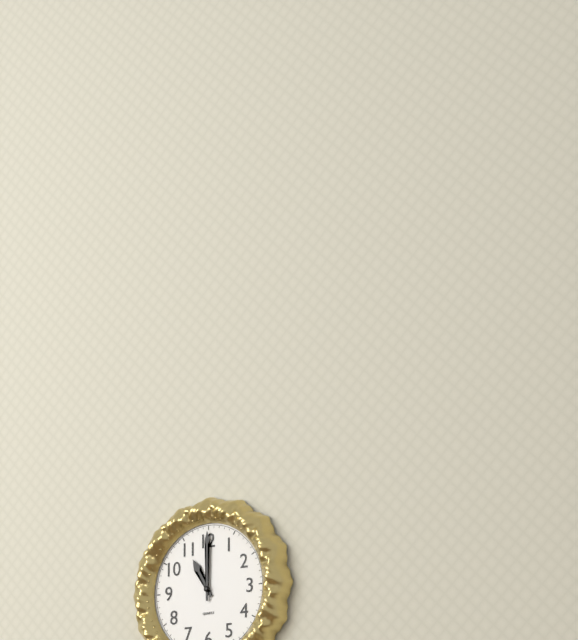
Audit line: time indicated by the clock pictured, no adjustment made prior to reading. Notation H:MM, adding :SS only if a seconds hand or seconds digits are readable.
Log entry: 11:00
